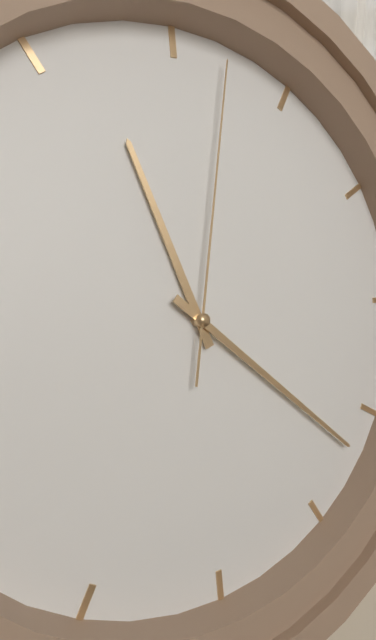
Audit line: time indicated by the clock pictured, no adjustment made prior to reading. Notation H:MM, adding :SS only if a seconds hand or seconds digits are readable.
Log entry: 11:22:02
